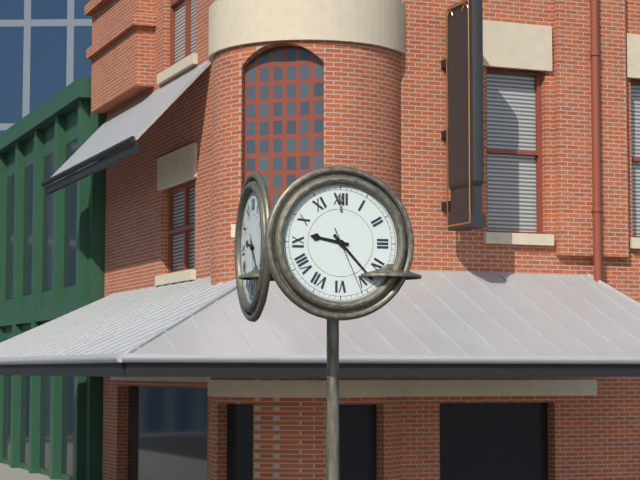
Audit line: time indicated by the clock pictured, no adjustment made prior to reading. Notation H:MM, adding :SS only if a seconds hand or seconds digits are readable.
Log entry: 9:23:26
